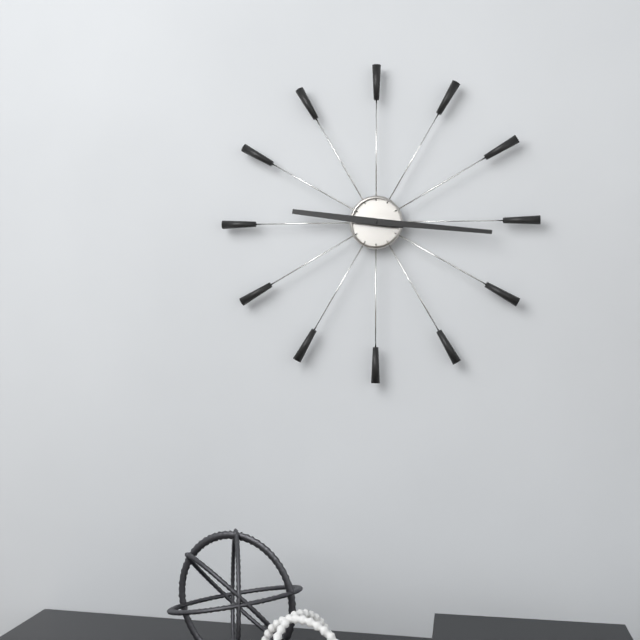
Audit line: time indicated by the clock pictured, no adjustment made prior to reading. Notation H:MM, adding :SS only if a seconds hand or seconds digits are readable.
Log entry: 9:16
